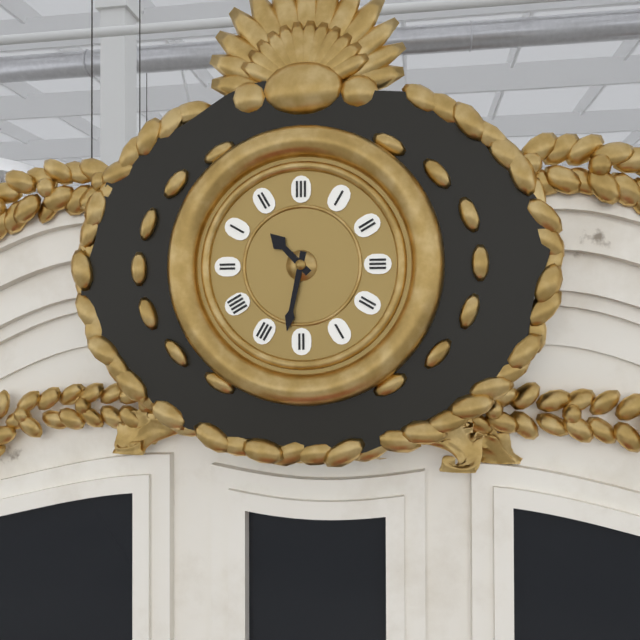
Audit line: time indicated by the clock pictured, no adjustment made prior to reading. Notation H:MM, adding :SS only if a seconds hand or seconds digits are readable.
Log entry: 10:32
